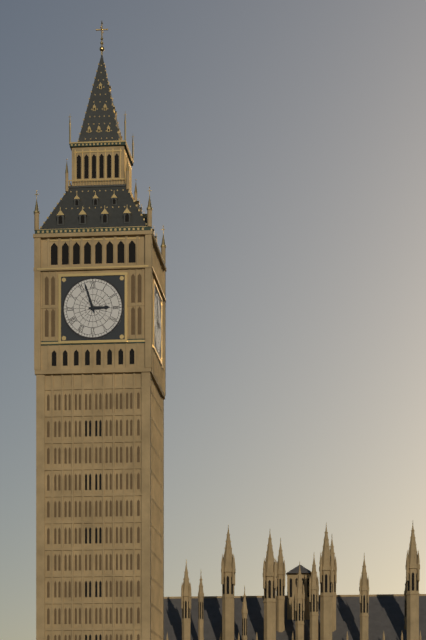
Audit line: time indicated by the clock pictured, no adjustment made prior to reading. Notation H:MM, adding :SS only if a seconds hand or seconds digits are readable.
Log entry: 2:57
